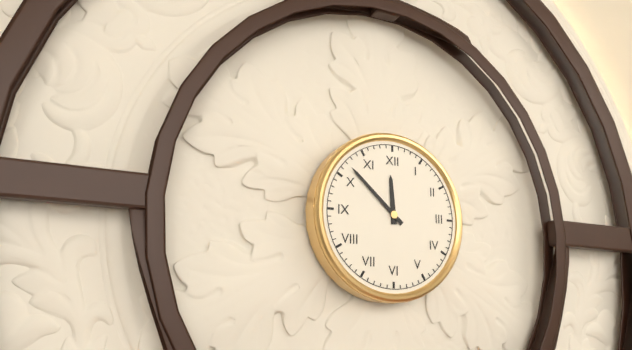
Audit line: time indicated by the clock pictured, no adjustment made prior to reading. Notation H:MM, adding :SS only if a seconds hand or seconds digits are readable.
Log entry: 11:52
